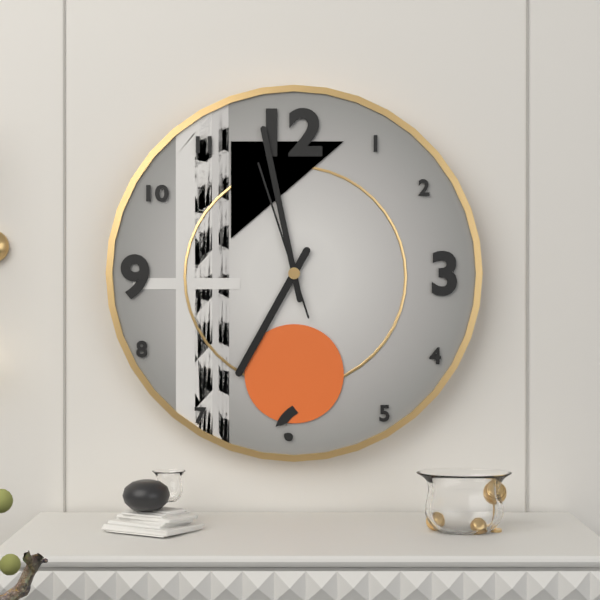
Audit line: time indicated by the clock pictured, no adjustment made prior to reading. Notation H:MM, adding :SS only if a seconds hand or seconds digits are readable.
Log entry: 6:58:57
